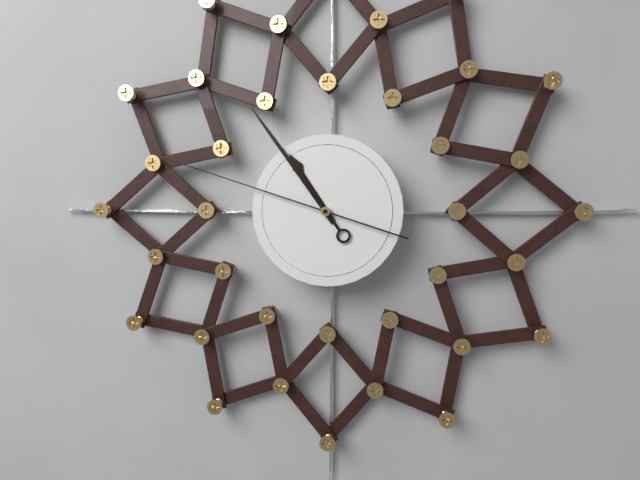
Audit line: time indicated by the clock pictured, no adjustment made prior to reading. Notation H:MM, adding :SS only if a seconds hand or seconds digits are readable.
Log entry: 10:54:48
